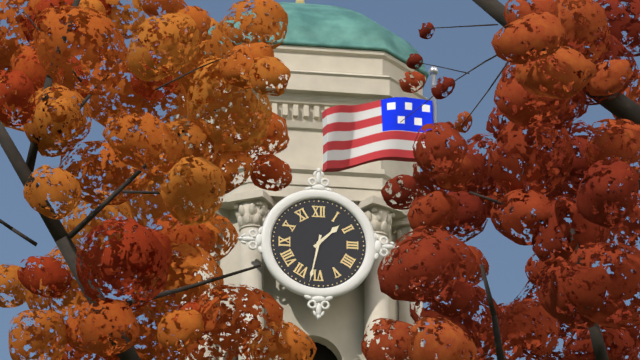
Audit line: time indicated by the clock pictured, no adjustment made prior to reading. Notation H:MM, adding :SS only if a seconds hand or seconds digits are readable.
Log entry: 1:32
